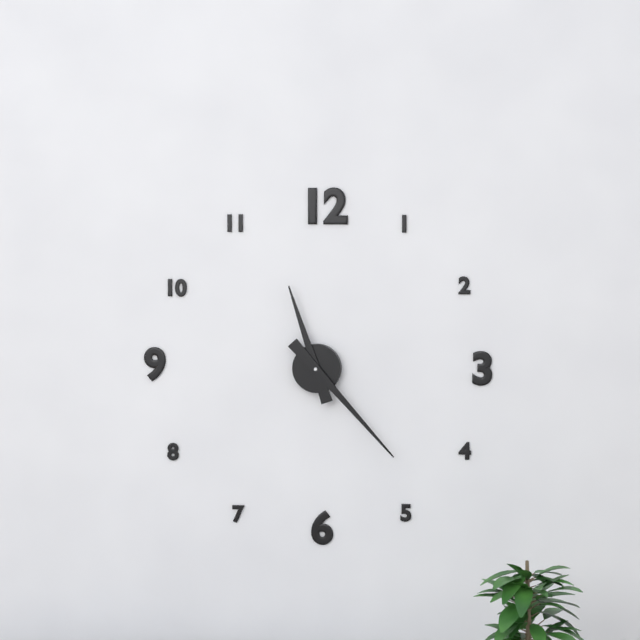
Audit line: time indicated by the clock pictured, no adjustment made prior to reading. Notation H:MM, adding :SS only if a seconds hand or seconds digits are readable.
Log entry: 11:23
